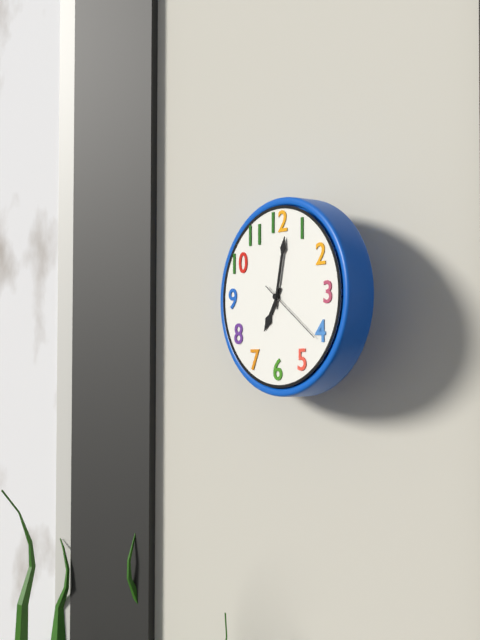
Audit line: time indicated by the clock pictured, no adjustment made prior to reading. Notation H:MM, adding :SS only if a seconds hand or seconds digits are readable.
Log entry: 7:02:21
